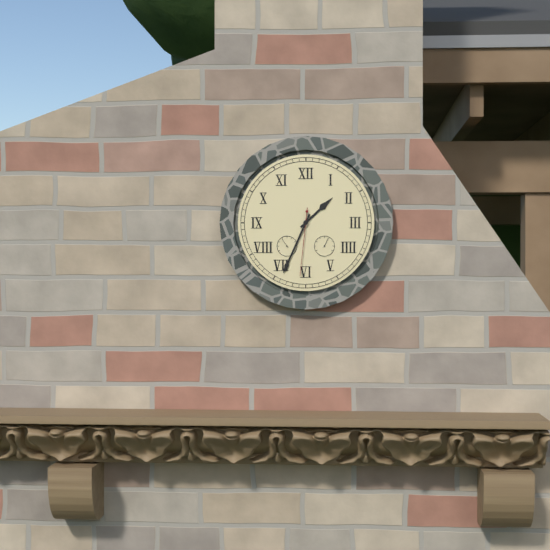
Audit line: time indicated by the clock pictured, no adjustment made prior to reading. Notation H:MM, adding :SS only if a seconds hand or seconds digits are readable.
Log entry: 1:34:31
